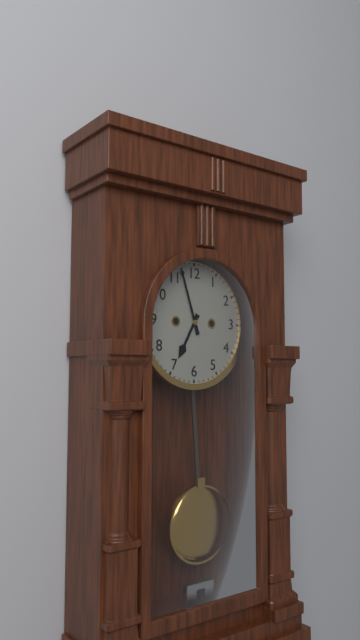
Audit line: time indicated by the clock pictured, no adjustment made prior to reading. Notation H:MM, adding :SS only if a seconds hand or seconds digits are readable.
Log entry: 6:57
